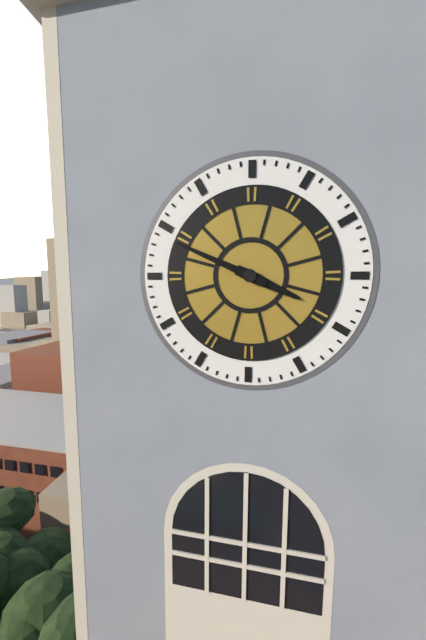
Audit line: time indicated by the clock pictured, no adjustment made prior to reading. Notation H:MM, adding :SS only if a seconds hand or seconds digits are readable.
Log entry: 3:49
